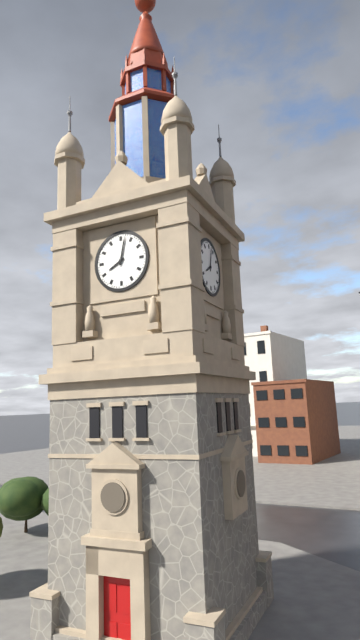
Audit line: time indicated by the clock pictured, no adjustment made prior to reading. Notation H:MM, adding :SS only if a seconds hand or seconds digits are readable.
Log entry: 8:02
